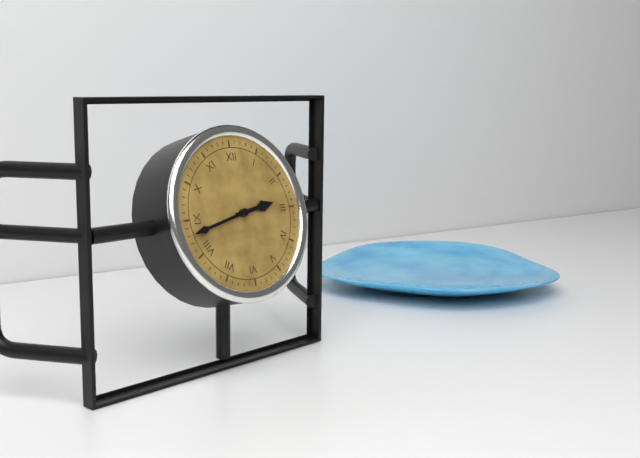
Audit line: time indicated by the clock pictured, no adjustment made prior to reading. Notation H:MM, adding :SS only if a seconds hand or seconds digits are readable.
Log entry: 2:43
